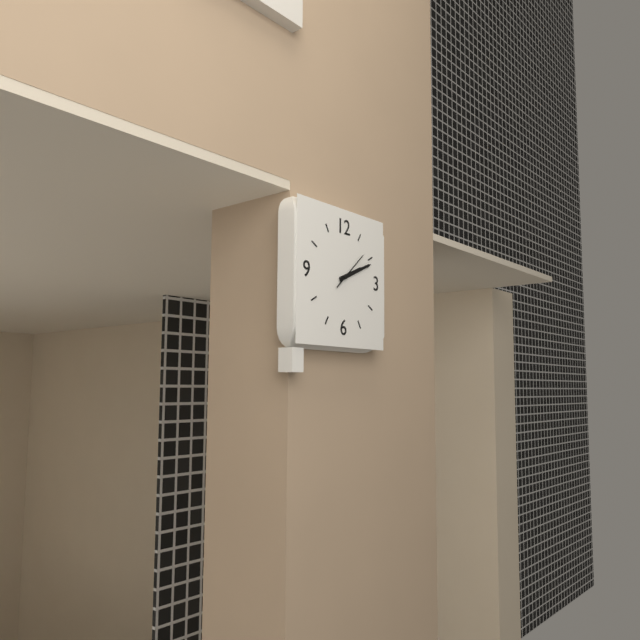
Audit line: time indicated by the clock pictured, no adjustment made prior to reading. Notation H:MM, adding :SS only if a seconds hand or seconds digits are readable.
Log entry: 2:11
